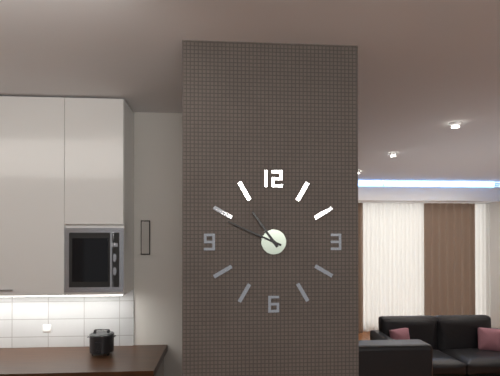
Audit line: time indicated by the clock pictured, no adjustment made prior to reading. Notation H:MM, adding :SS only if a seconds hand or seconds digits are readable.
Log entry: 10:49
